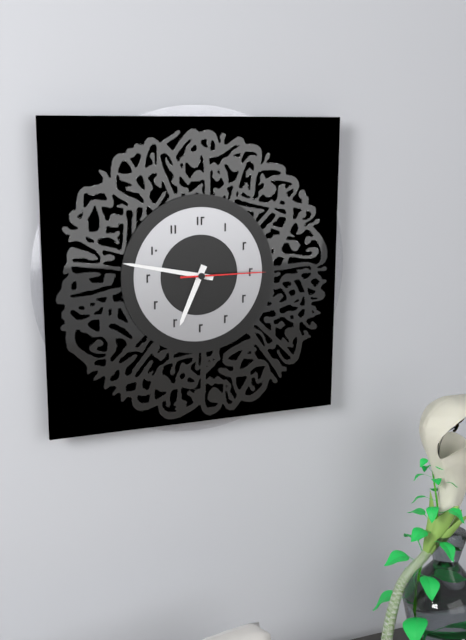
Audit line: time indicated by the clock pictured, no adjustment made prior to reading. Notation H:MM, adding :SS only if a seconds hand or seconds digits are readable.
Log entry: 6:47:15
